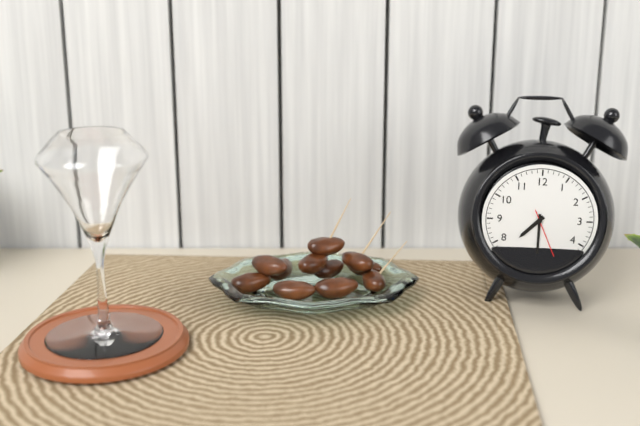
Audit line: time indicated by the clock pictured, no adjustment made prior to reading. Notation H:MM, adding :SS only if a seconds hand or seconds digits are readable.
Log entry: 7:30:26
